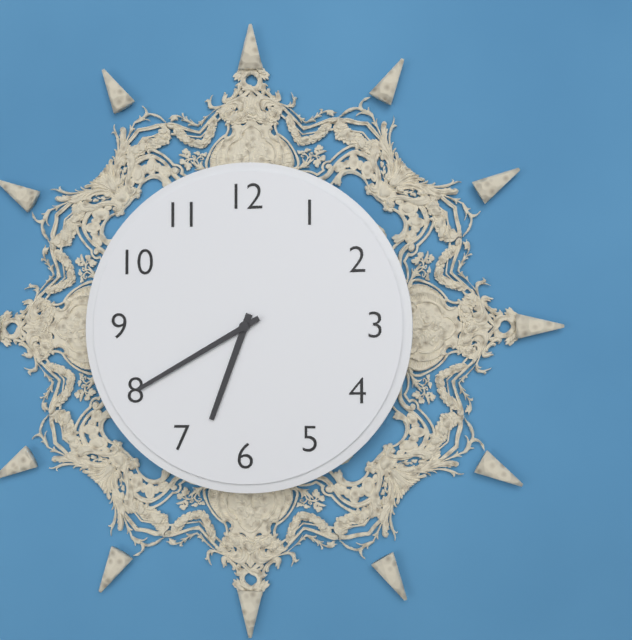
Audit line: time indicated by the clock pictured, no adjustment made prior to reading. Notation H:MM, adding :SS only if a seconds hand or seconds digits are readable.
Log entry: 6:40
